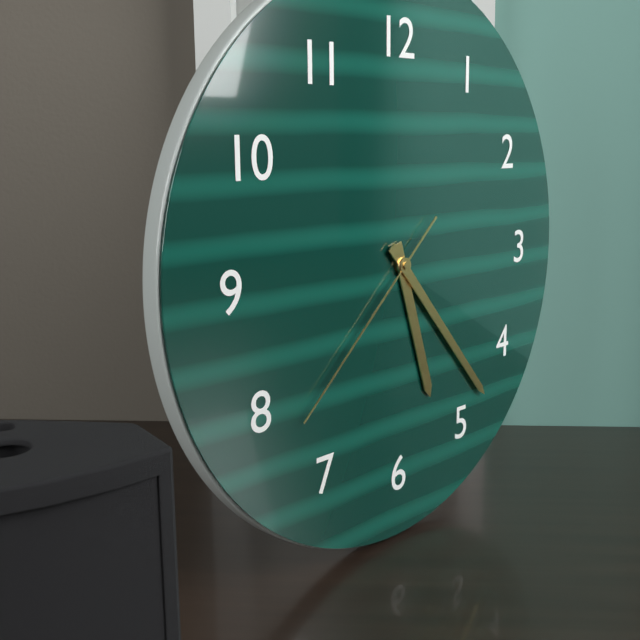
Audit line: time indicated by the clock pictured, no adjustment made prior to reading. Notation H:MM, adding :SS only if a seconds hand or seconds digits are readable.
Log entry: 5:23:38
